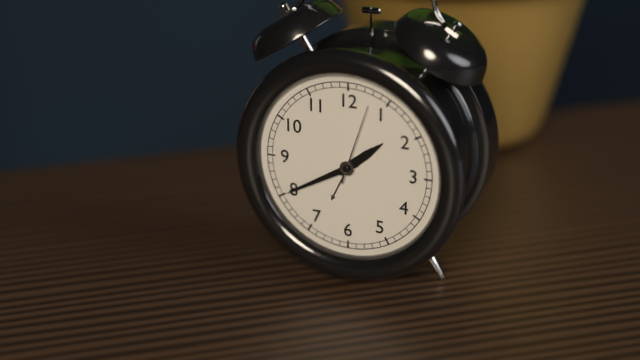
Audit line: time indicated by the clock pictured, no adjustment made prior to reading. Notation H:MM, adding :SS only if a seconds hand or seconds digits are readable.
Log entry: 1:40:03
